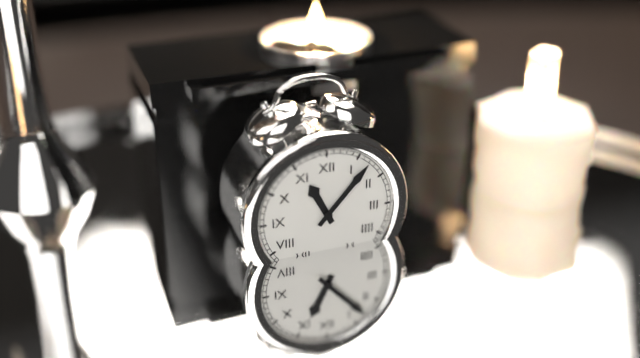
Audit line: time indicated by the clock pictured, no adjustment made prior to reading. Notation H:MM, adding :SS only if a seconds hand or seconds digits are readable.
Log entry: 11:07
